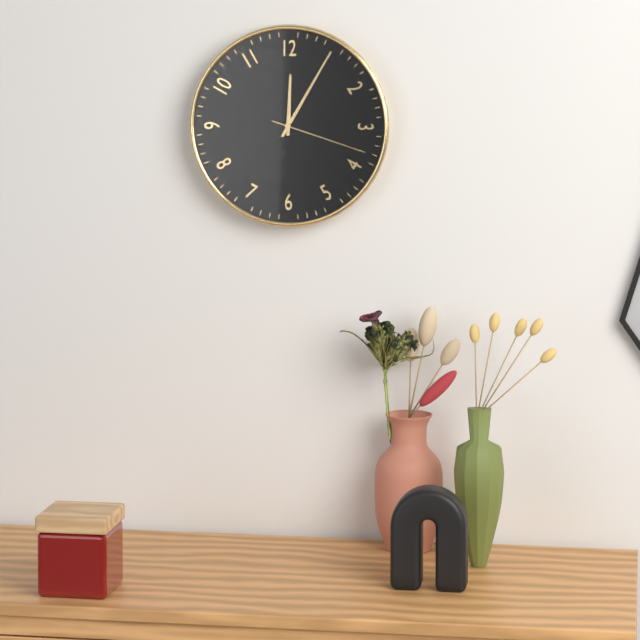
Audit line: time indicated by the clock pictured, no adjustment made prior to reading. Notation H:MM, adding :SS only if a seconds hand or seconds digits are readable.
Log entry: 12:05:18
